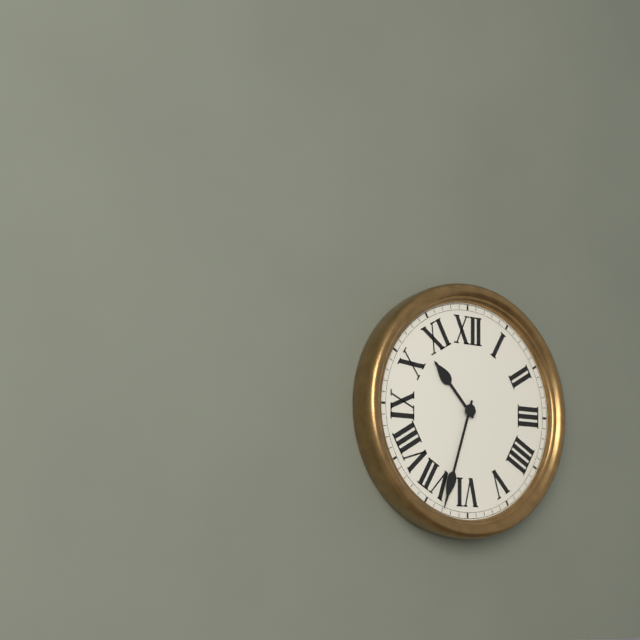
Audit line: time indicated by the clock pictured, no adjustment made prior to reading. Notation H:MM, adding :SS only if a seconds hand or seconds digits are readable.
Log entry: 10:33
